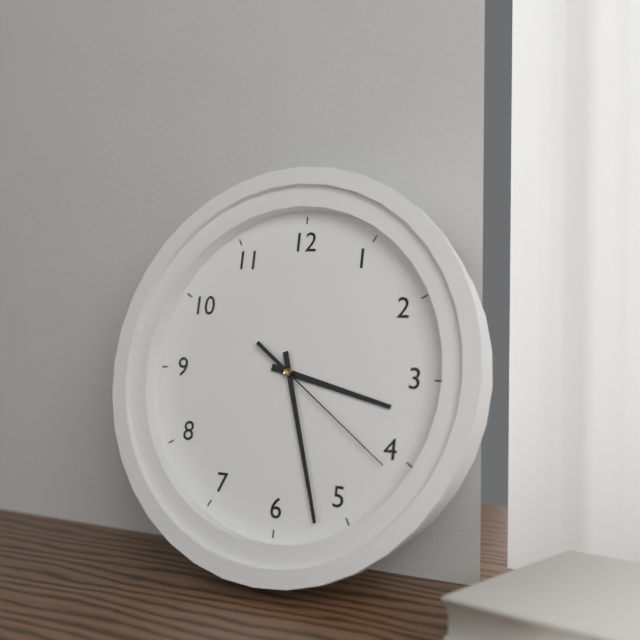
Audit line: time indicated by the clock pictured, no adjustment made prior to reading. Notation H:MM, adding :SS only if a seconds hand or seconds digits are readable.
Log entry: 3:27:21
